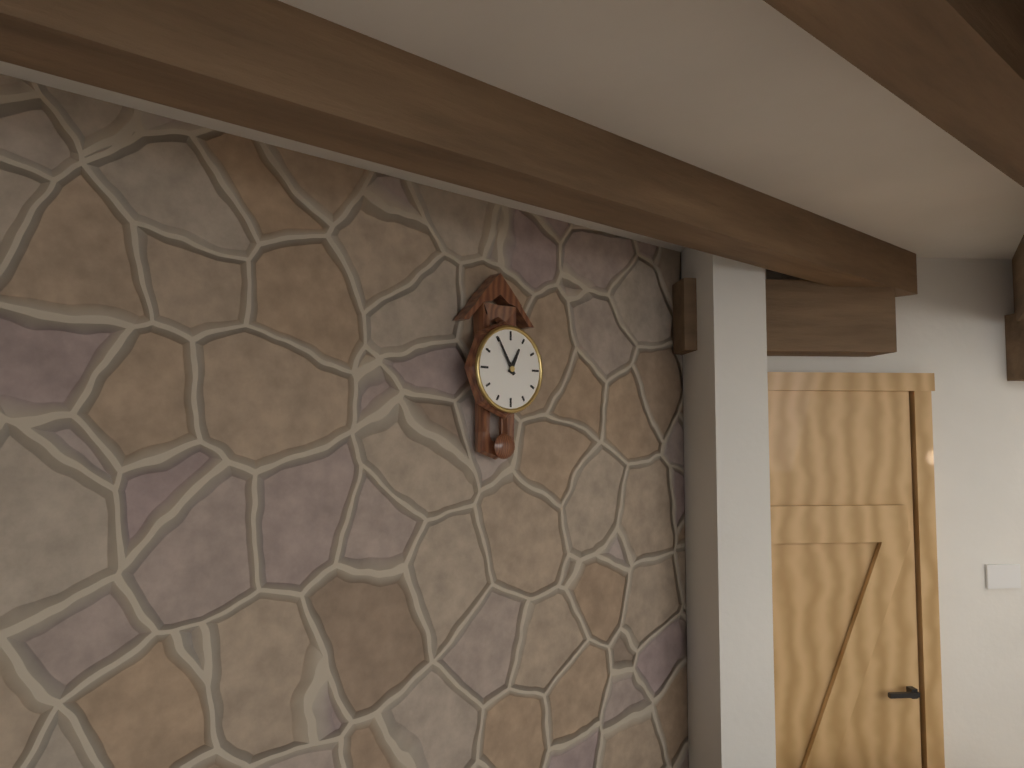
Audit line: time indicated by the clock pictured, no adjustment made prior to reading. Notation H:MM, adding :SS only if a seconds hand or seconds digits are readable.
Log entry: 12:55
